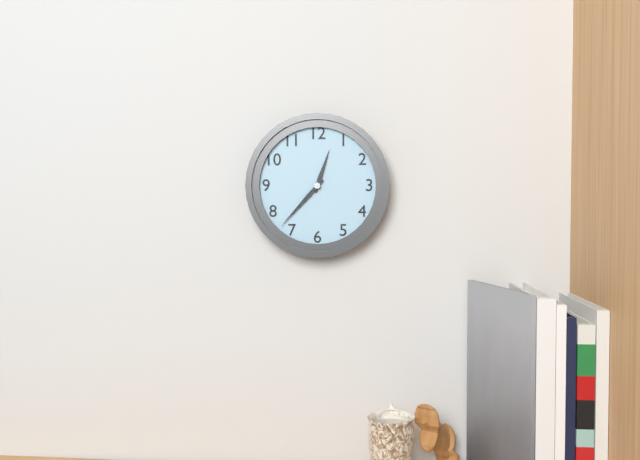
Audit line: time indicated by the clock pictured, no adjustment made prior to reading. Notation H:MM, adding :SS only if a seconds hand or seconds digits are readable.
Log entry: 12:37
